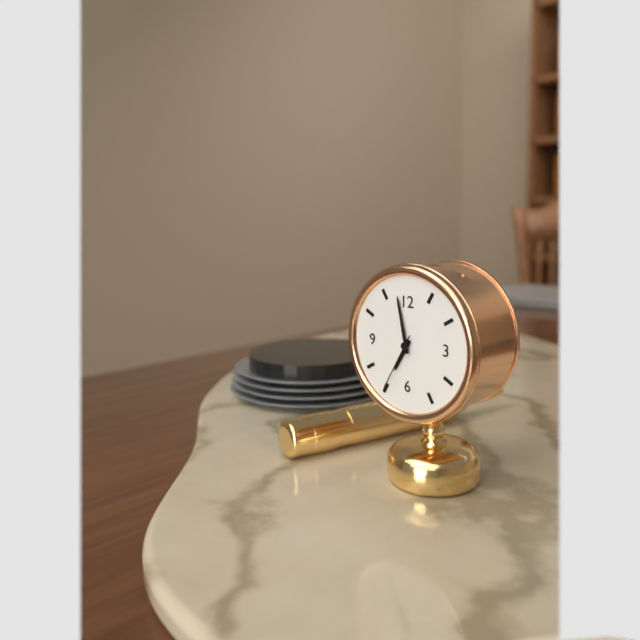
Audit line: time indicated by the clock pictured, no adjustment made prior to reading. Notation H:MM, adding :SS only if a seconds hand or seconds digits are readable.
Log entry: 6:58:35
